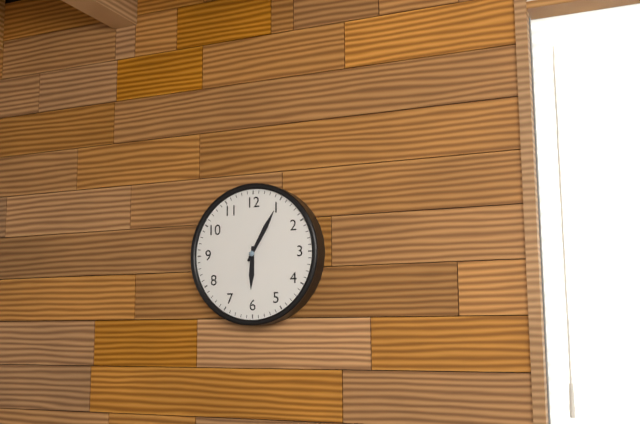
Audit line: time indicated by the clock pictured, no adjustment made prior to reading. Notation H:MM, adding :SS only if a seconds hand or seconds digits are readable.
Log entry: 6:05
